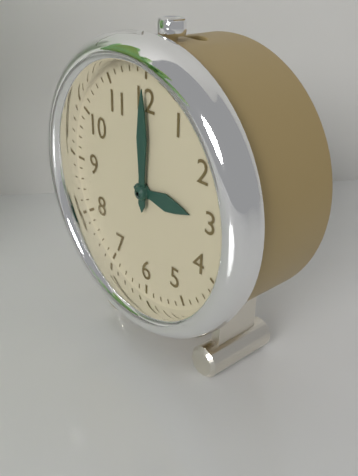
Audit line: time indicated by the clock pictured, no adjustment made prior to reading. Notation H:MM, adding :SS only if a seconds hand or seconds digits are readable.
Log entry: 3:00
